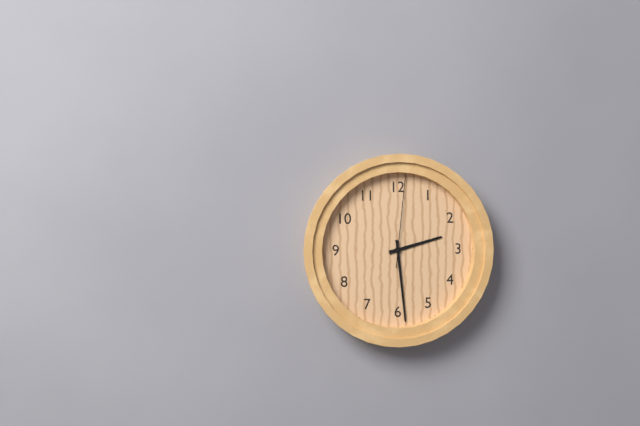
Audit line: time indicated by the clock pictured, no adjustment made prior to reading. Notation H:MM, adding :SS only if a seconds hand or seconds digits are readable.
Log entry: 2:29:01
